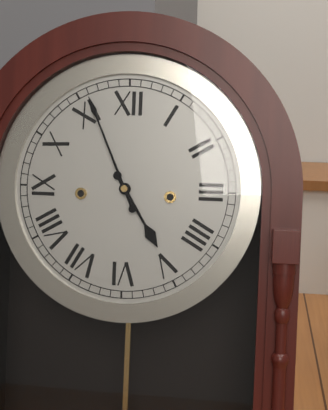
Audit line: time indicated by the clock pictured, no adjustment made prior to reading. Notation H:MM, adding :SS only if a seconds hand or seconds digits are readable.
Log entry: 4:56
